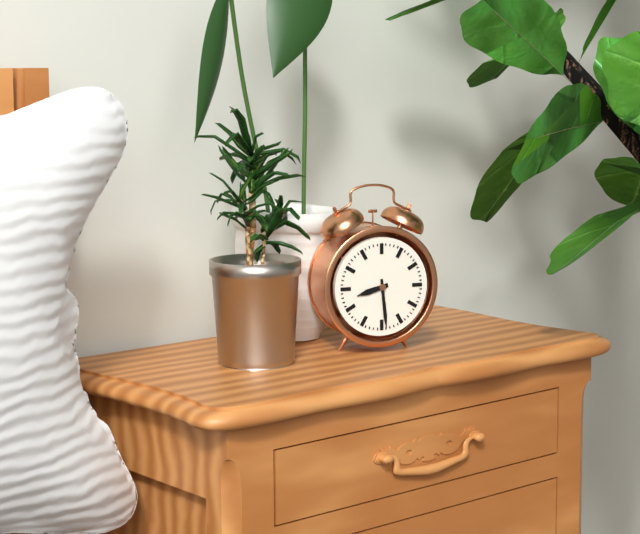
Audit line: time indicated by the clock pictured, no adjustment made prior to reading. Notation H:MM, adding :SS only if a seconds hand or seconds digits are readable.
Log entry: 8:29
